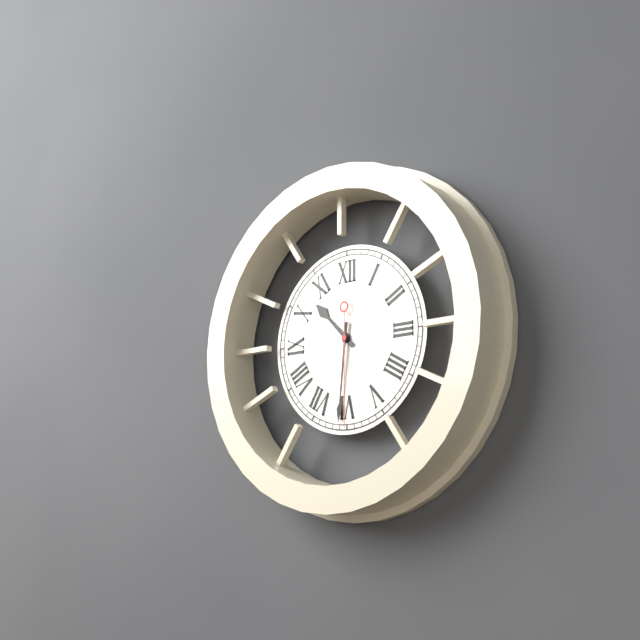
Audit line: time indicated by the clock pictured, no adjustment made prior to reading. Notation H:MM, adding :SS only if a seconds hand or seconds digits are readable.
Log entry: 10:31:30
